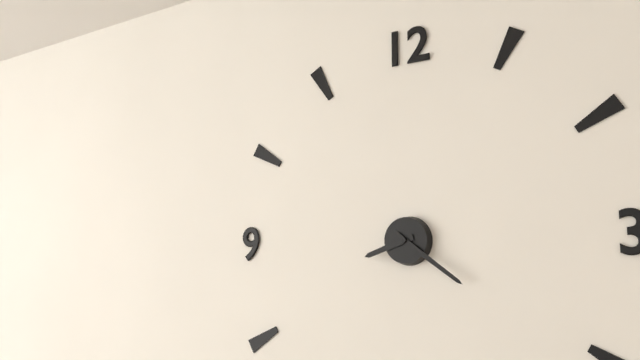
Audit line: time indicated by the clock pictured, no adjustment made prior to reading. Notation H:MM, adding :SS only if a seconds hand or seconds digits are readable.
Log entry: 8:21
